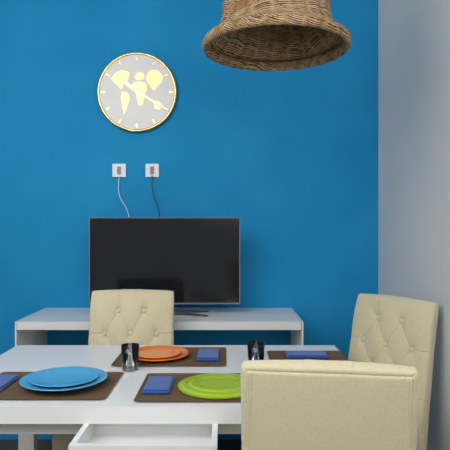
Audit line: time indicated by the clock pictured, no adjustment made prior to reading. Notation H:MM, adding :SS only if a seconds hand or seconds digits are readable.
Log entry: 10:20
